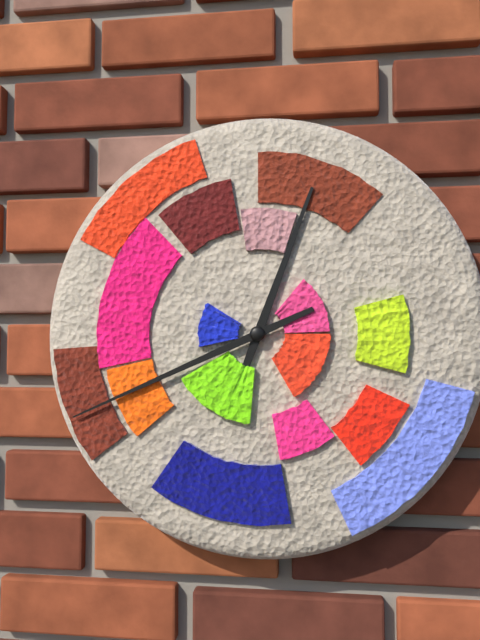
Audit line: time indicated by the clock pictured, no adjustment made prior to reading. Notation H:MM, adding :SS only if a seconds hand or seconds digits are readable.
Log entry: 12:41
